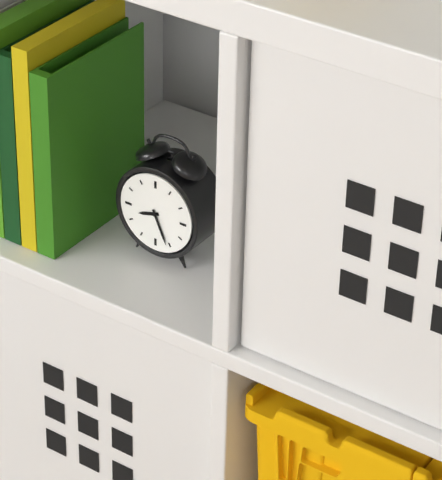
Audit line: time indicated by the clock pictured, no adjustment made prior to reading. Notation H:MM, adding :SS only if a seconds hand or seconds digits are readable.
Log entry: 8:26
